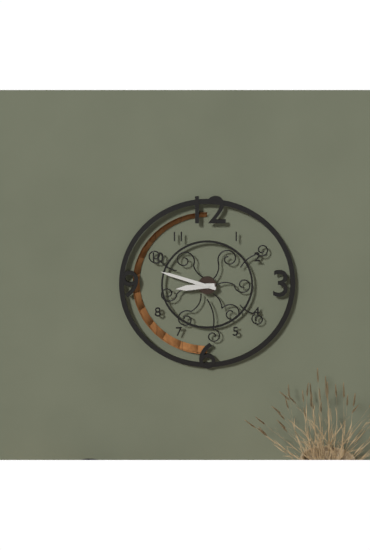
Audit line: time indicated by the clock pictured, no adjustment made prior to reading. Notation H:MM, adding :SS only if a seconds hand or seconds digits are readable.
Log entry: 8:48
